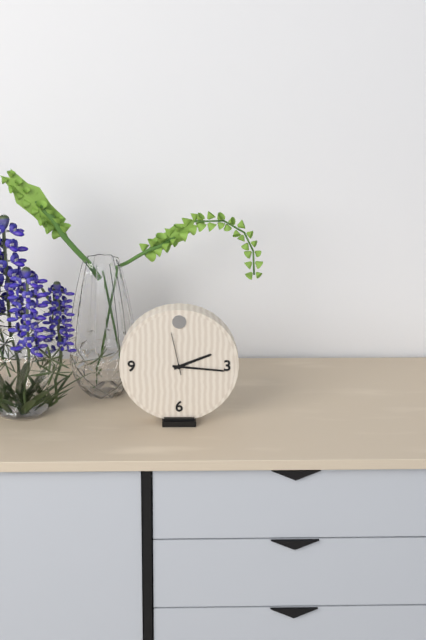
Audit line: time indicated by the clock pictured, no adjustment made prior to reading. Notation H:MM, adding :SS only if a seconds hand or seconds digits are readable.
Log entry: 2:16
